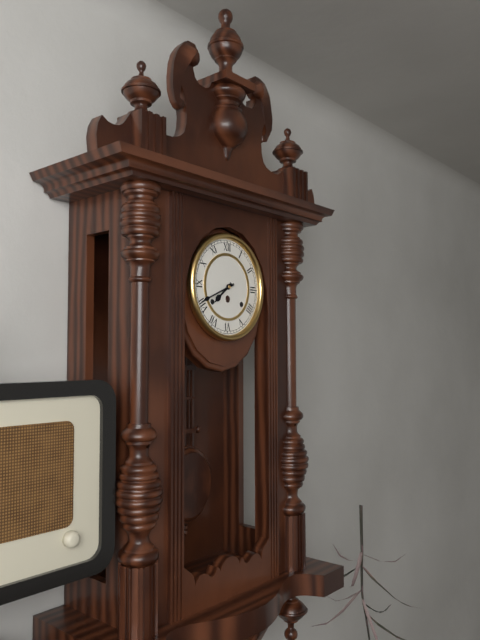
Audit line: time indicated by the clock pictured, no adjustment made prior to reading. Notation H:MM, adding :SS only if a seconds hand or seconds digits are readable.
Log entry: 7:41
